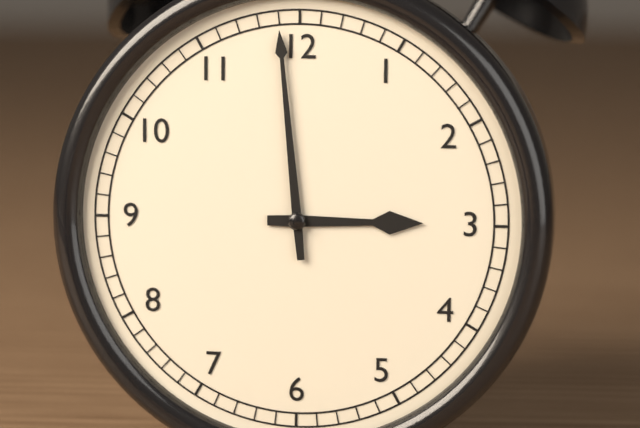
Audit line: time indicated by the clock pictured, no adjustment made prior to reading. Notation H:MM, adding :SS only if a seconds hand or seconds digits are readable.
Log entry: 2:59
